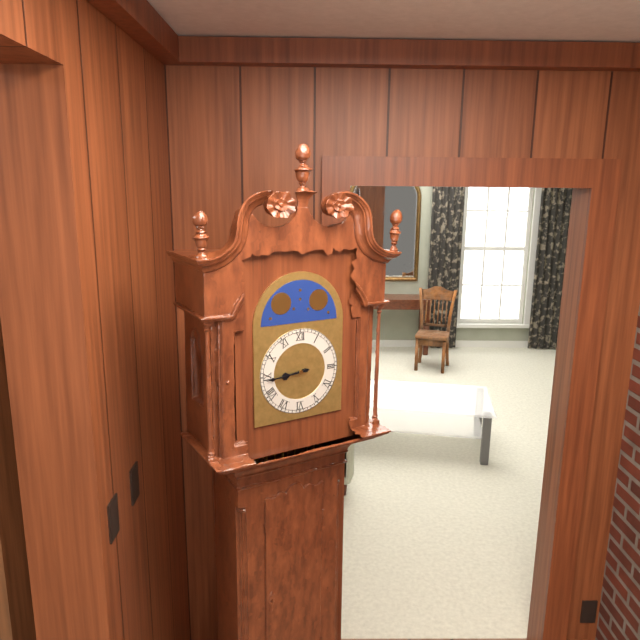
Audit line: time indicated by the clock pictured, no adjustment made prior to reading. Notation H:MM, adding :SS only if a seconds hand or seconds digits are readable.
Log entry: 8:44
